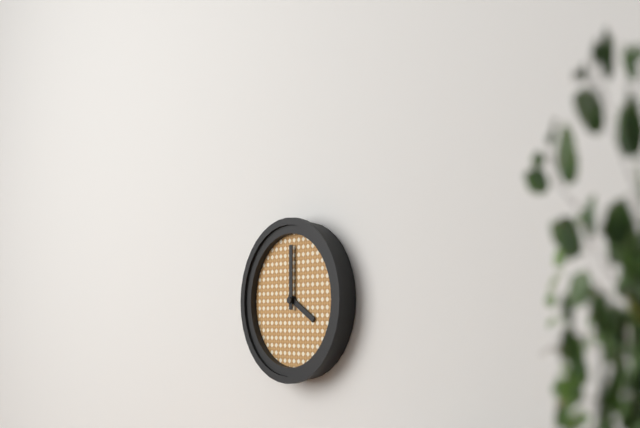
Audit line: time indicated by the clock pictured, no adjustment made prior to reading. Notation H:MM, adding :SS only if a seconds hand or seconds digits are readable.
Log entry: 4:00
